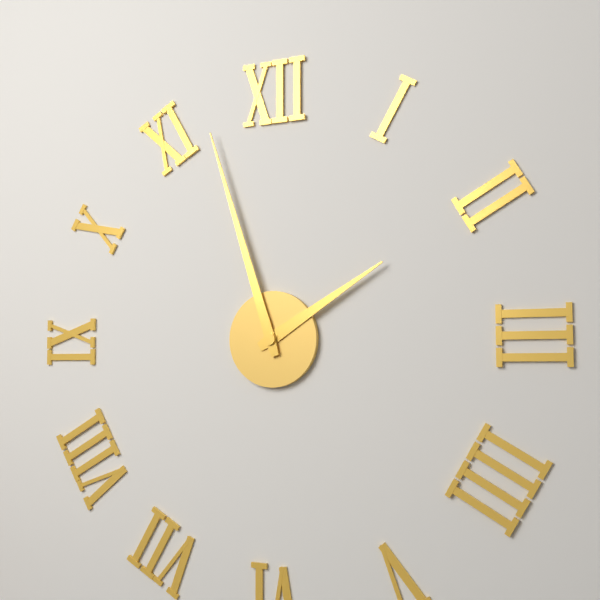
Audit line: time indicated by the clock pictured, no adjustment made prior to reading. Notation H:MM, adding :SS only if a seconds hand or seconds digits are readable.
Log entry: 1:57
